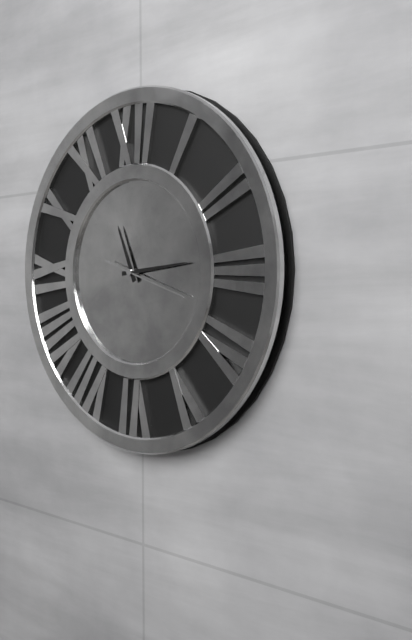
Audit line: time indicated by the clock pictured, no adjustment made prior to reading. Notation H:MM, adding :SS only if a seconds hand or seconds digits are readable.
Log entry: 11:14:18
